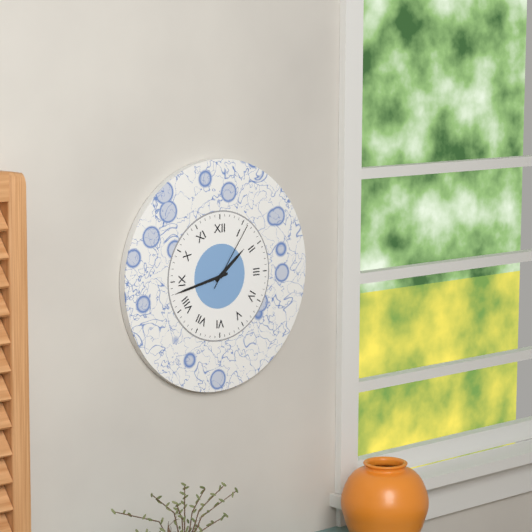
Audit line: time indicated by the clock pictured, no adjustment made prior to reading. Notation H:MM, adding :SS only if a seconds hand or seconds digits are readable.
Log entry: 1:43:06
